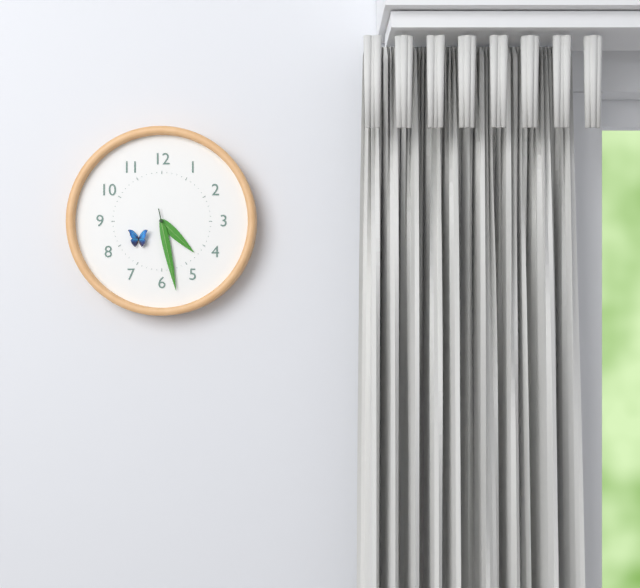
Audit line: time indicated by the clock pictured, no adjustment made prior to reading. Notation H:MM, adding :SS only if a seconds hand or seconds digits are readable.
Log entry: 4:28
